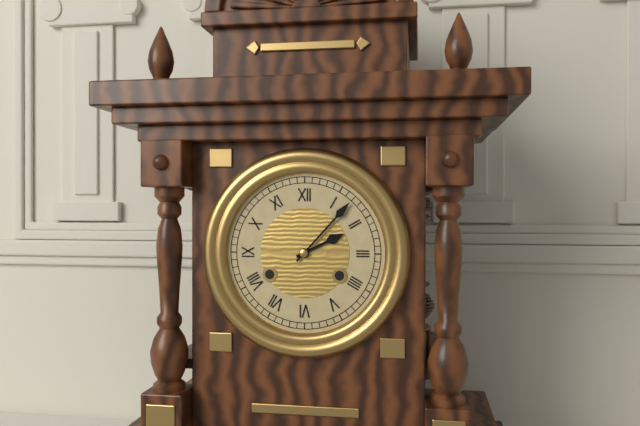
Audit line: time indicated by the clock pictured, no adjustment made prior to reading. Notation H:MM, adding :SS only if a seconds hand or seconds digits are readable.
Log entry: 2:07
